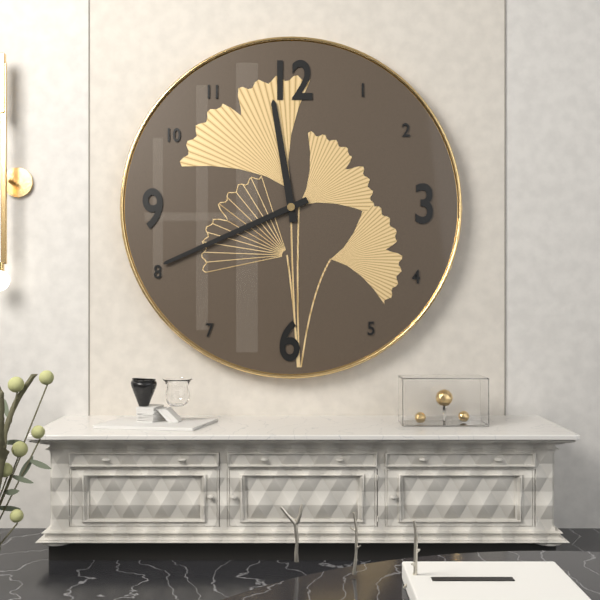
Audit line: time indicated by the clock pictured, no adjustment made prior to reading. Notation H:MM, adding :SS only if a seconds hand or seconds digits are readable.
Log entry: 11:41
